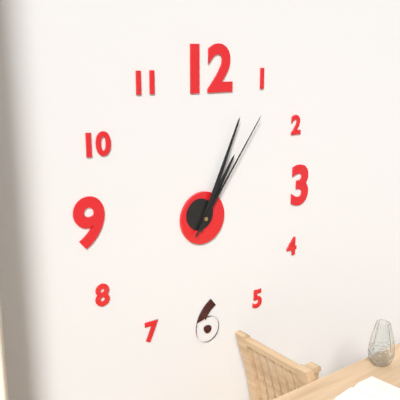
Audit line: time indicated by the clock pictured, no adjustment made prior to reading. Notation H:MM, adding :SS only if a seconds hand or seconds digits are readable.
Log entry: 1:04:06
